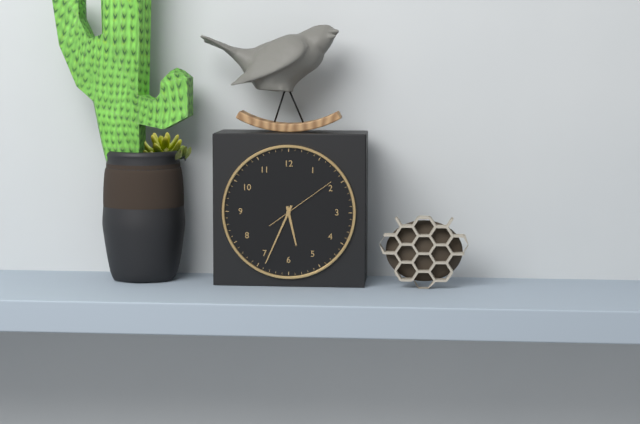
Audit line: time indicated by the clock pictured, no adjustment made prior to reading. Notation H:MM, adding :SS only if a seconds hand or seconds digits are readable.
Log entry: 5:34:09
